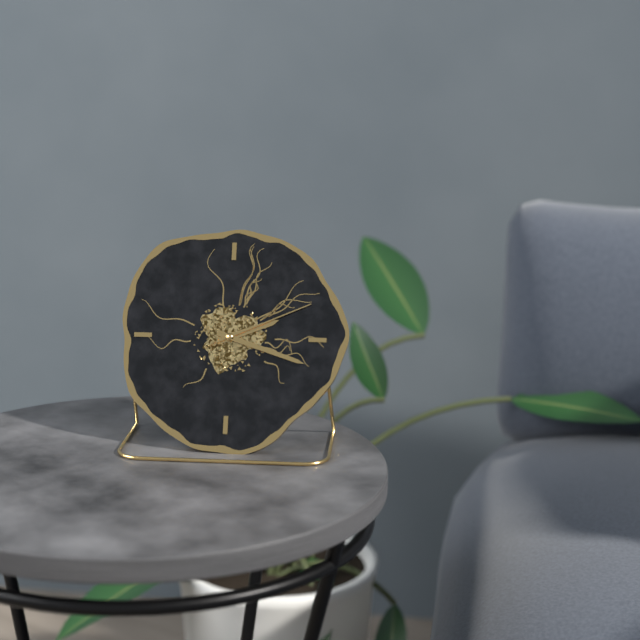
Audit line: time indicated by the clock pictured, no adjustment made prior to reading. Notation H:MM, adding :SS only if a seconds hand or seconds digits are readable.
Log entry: 2:18:11
